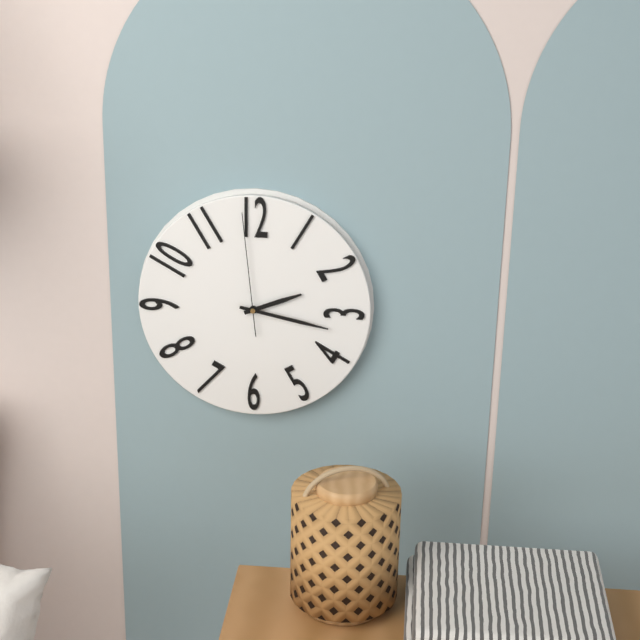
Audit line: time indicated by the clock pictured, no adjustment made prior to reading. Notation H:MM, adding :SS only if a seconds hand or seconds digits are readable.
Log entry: 2:17:59
